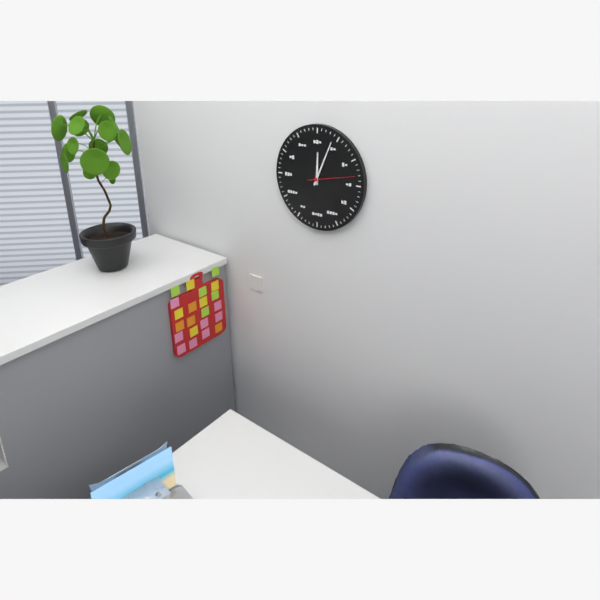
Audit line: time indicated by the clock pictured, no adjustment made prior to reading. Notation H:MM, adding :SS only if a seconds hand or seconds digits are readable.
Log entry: 12:04
